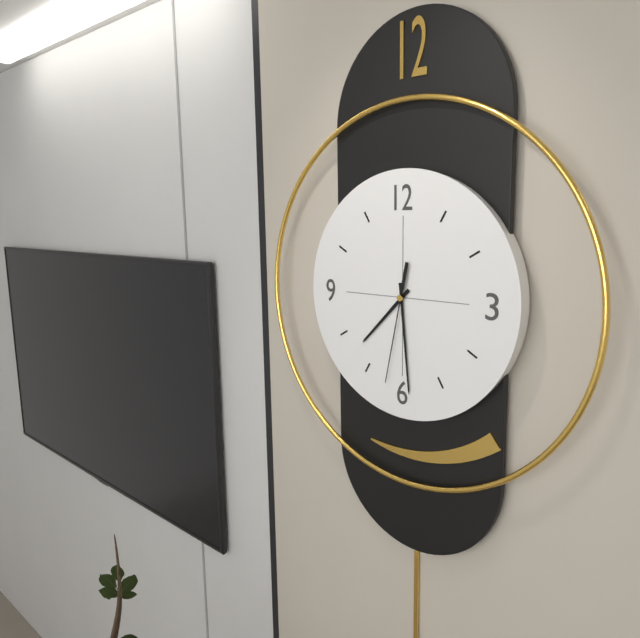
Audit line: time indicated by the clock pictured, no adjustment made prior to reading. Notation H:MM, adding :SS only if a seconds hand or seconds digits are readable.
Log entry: 7:29:32
